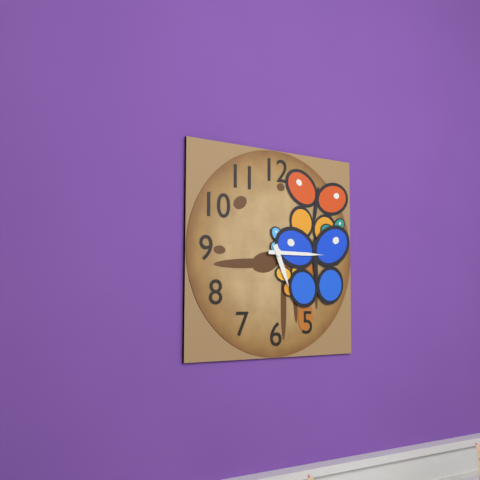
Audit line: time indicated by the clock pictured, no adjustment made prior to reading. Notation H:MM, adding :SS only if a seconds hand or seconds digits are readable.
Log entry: 5:15
